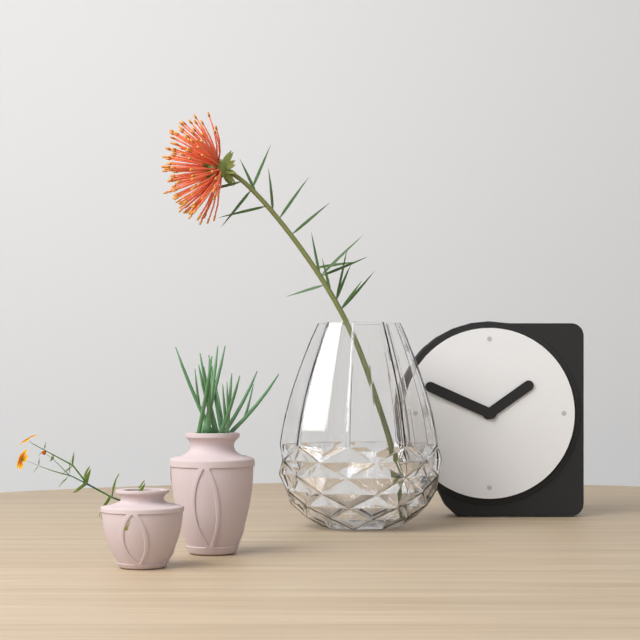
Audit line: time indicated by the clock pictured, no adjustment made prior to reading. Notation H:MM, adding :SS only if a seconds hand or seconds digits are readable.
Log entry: 1:49
